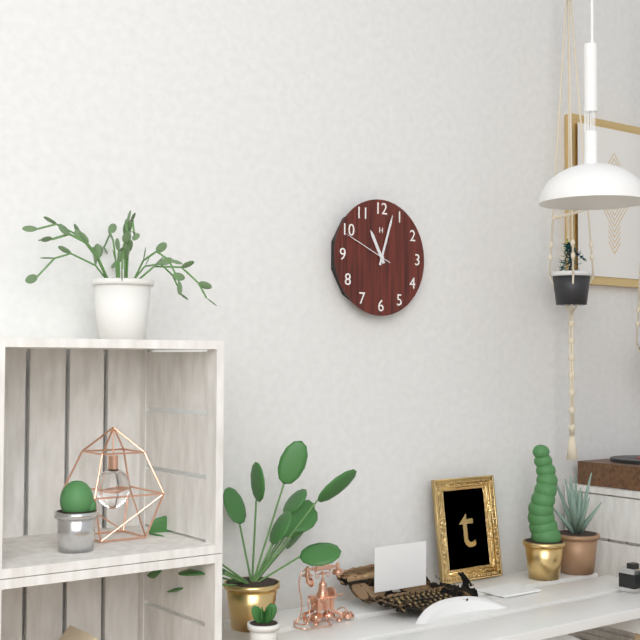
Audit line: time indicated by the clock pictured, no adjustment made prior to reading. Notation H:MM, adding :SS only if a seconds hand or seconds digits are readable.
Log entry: 11:03:49
